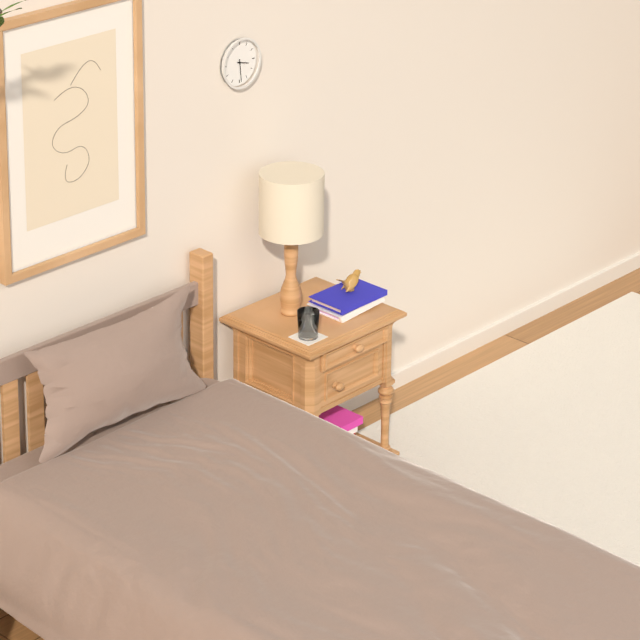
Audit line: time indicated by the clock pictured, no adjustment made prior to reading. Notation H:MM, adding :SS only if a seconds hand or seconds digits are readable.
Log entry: 3:29
